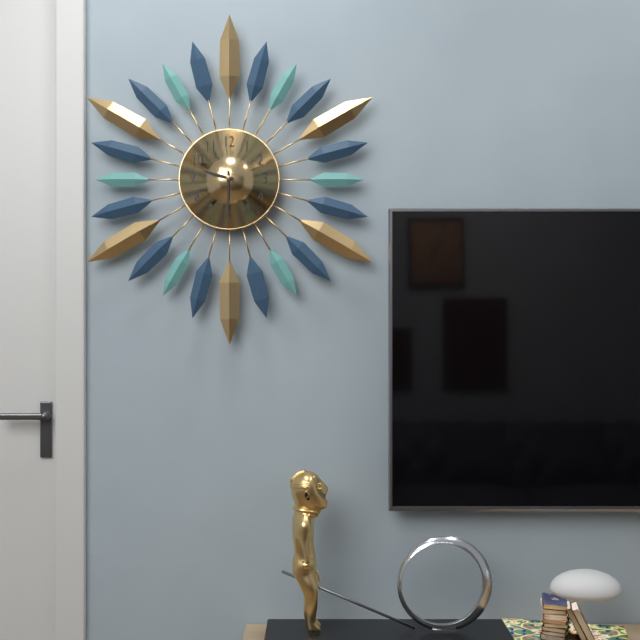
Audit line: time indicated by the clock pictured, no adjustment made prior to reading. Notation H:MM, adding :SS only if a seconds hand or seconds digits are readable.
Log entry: 9:30
